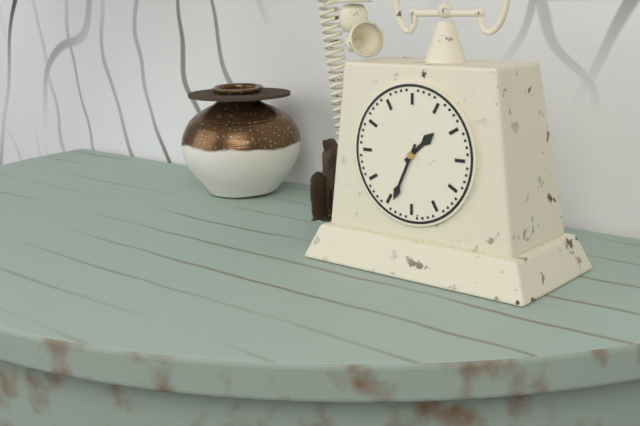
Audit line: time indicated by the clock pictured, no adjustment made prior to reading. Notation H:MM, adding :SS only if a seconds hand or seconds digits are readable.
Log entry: 1:34
